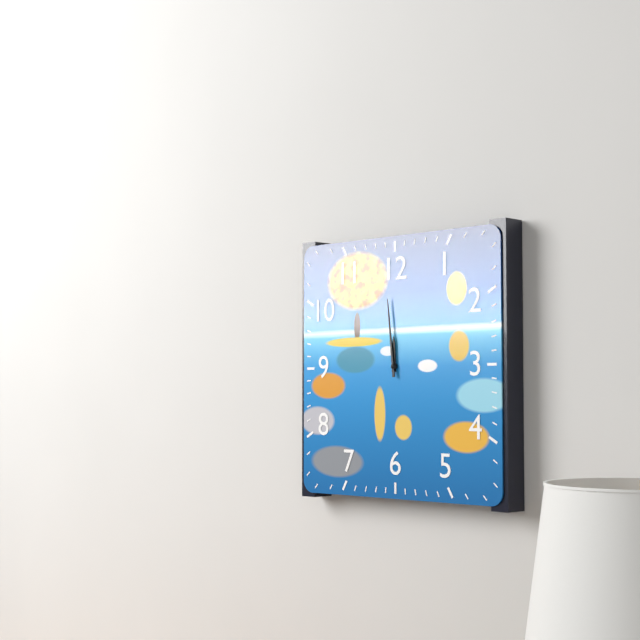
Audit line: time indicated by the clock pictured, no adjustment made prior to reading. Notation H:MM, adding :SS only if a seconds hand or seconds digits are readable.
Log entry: 11:59
